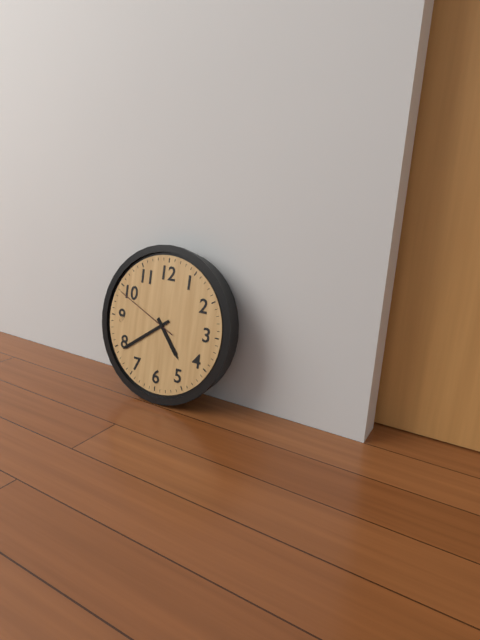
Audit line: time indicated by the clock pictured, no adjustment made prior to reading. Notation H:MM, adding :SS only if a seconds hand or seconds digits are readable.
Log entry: 4:39:49
